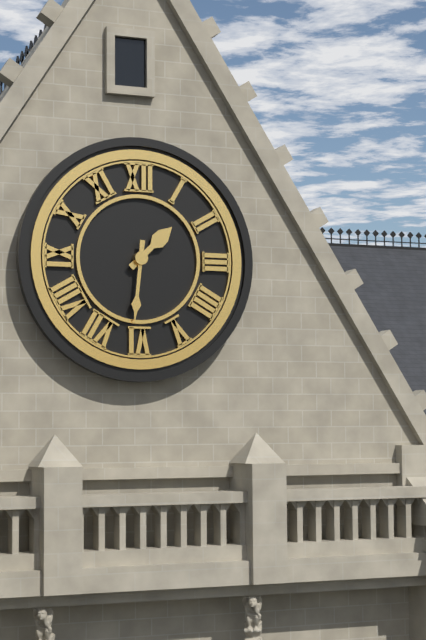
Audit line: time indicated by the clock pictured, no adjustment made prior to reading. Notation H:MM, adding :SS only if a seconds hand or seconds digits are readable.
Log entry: 1:31
